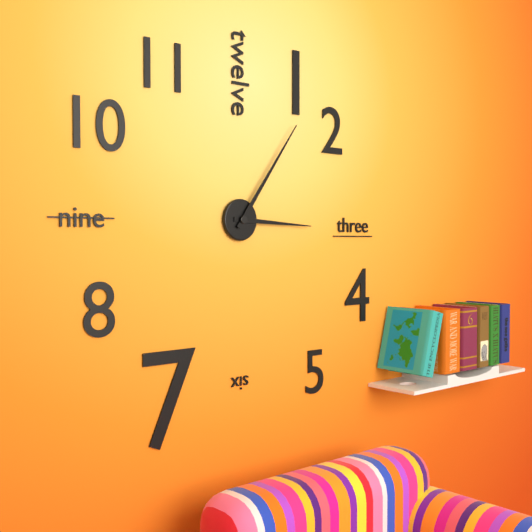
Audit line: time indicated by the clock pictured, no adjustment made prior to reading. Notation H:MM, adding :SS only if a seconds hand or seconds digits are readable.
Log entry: 3:06
